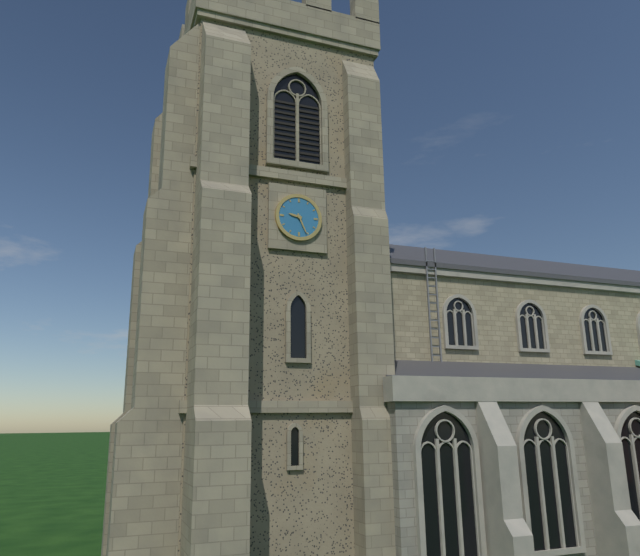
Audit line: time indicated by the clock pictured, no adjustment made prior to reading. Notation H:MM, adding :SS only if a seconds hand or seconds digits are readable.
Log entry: 9:26
